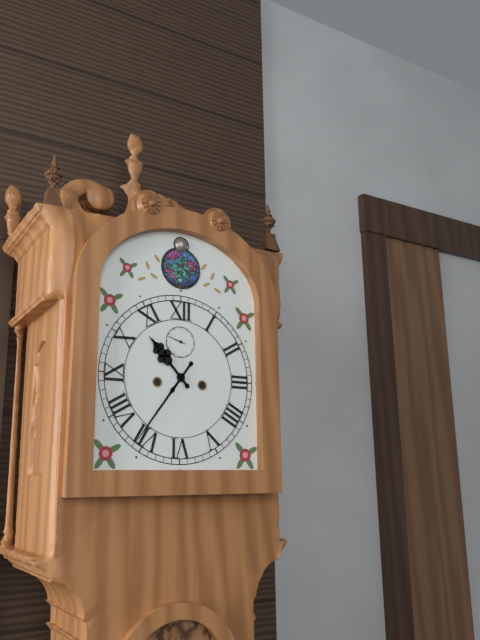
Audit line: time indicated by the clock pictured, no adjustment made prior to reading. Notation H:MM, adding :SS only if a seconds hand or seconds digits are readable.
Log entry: 10:36
